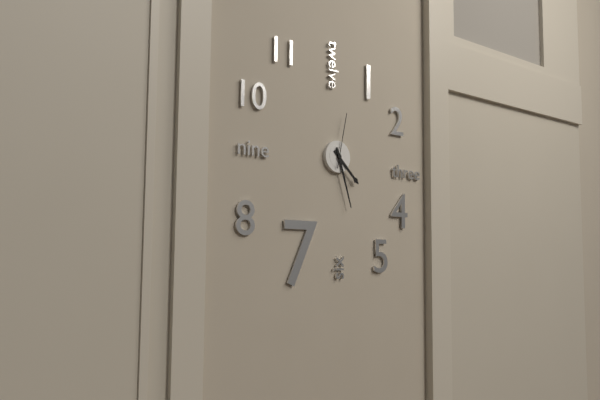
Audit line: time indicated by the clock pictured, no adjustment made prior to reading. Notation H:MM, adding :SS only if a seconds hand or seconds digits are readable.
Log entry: 4:27:02
